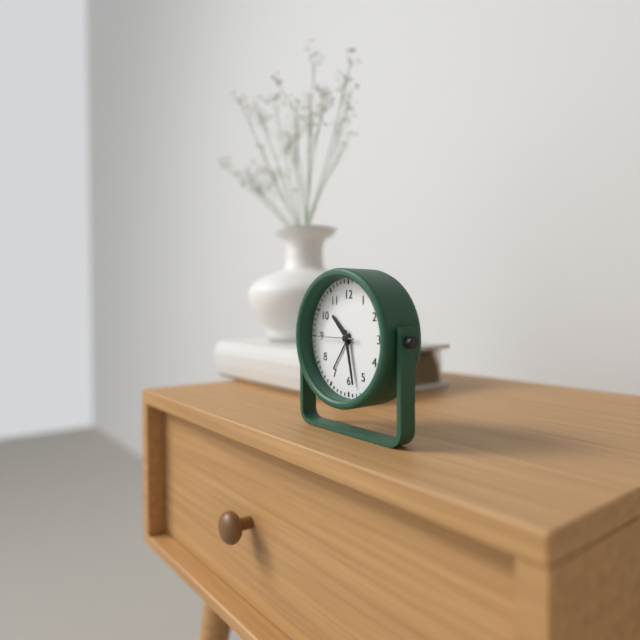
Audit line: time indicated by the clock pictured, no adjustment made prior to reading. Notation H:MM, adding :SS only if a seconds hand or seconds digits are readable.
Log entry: 10:28
